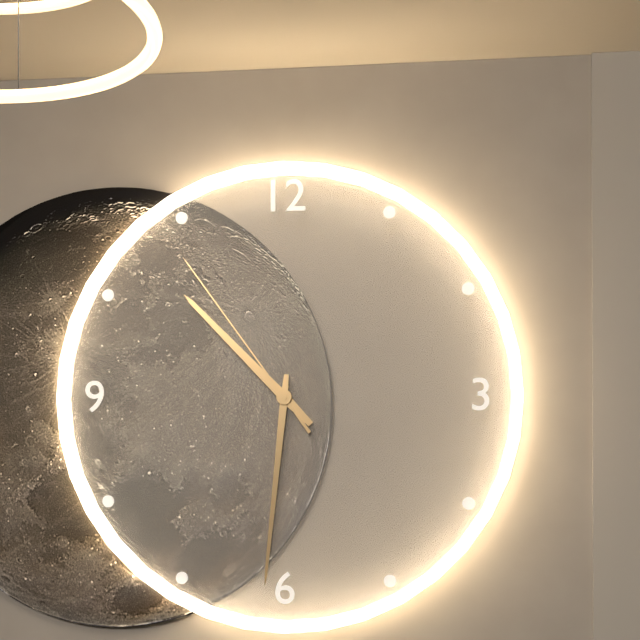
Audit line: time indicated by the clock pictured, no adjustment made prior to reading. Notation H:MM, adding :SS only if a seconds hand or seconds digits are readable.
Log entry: 10:31:54
